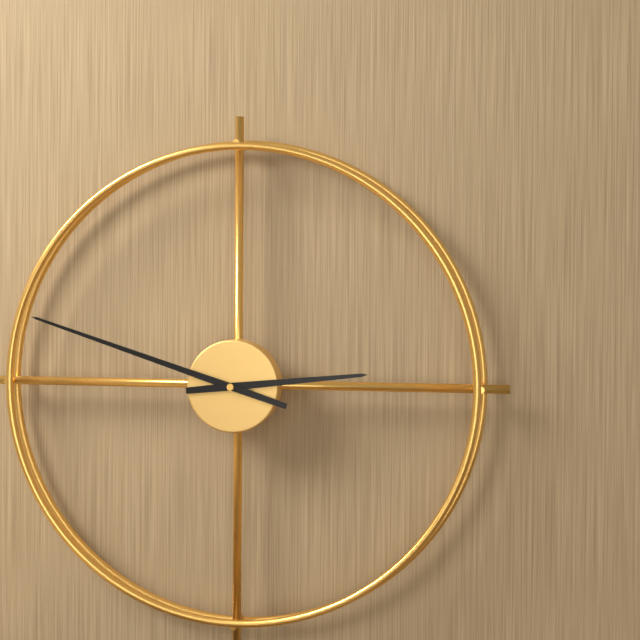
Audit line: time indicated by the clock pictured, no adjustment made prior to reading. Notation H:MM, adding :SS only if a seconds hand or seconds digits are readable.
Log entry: 2:48
